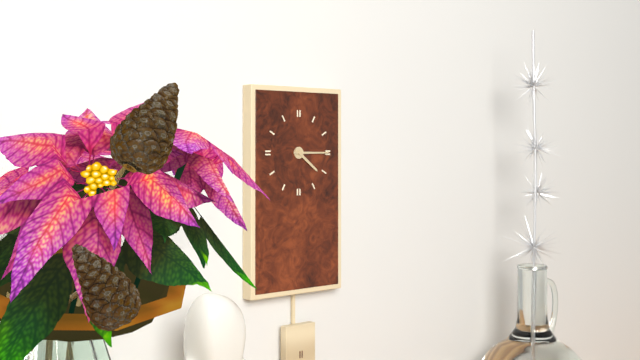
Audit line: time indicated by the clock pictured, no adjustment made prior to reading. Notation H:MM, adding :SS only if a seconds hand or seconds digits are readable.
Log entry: 4:15
